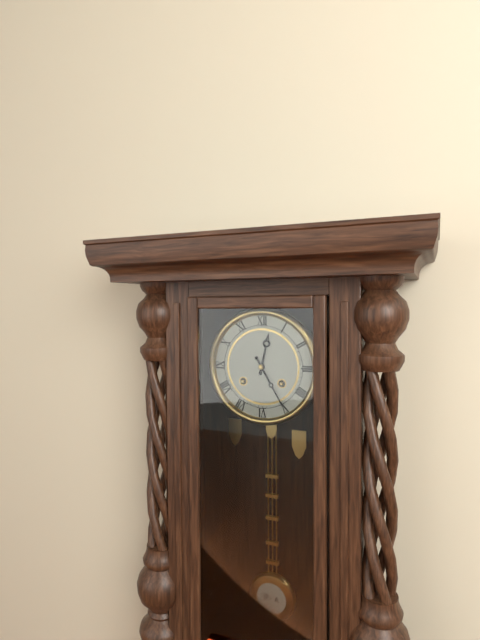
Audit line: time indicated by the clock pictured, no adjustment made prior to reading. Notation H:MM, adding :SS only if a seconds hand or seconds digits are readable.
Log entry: 12:25
